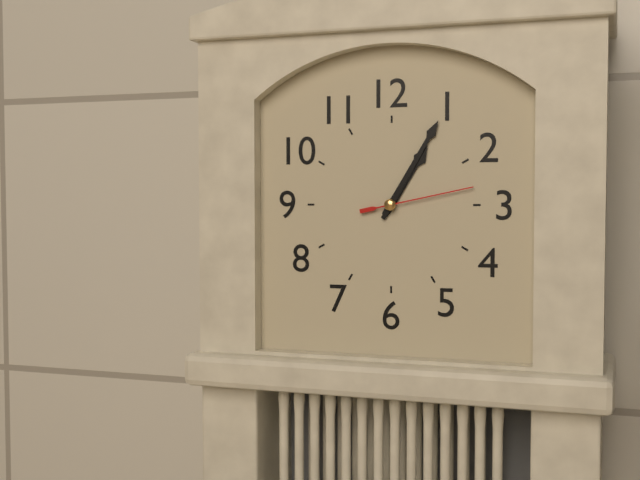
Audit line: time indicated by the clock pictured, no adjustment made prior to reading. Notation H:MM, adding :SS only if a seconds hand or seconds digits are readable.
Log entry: 1:05:13
